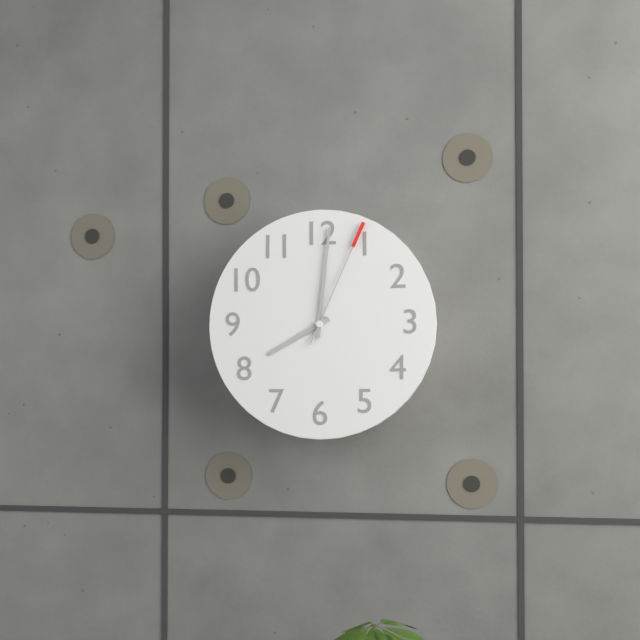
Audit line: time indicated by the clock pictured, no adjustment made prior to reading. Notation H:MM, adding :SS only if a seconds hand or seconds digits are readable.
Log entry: 8:01:04
